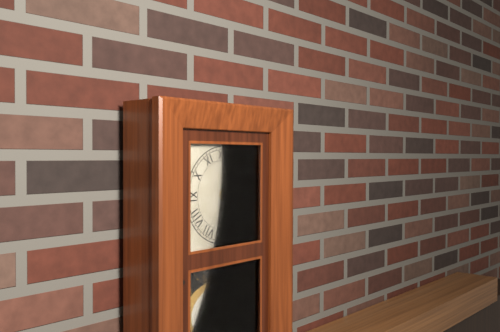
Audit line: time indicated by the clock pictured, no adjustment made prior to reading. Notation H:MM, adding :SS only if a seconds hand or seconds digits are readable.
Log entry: 3:28
